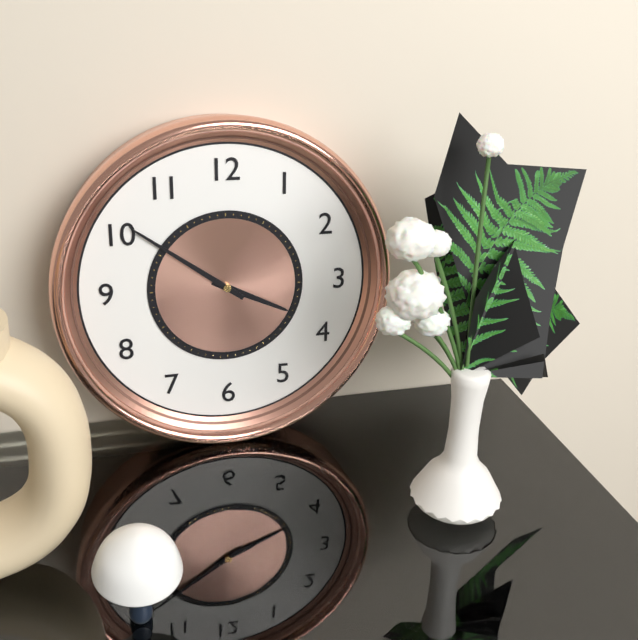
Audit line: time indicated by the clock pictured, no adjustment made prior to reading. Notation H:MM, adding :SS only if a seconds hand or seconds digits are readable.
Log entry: 3:51
